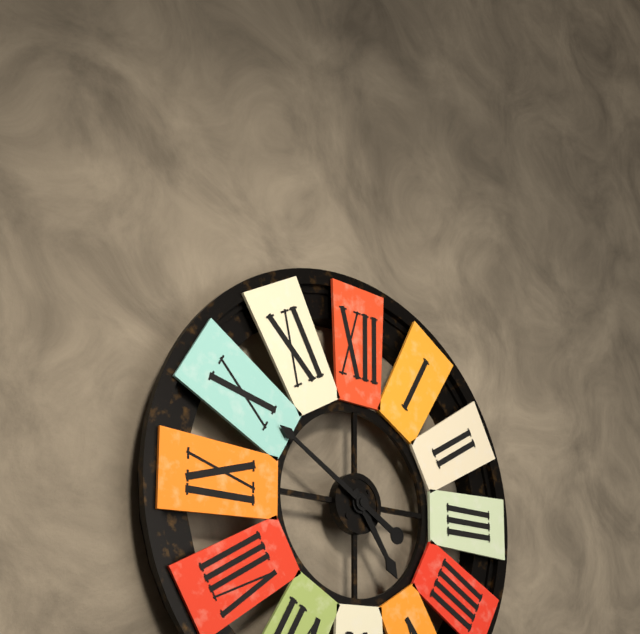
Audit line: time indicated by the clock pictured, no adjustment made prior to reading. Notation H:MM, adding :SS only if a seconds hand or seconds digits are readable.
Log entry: 4:50
